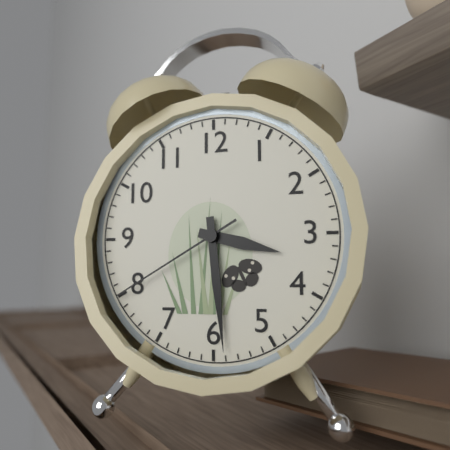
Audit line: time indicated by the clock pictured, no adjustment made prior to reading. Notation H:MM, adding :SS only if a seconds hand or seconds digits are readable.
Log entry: 3:29:40
